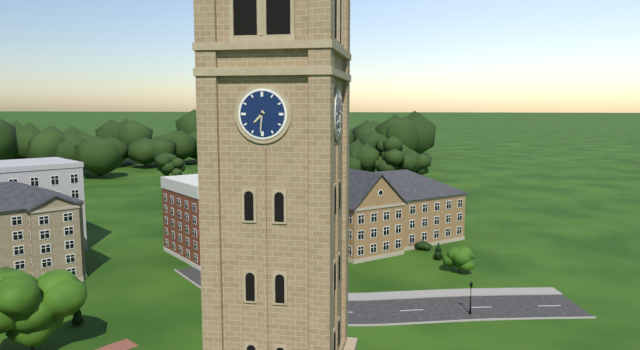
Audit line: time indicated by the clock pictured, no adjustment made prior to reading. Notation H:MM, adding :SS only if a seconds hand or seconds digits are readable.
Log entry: 7:31
